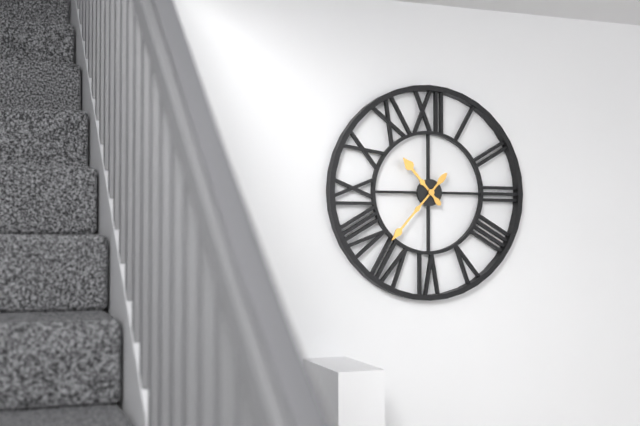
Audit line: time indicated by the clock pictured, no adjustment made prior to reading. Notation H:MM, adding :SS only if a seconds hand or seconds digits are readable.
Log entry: 10:37
